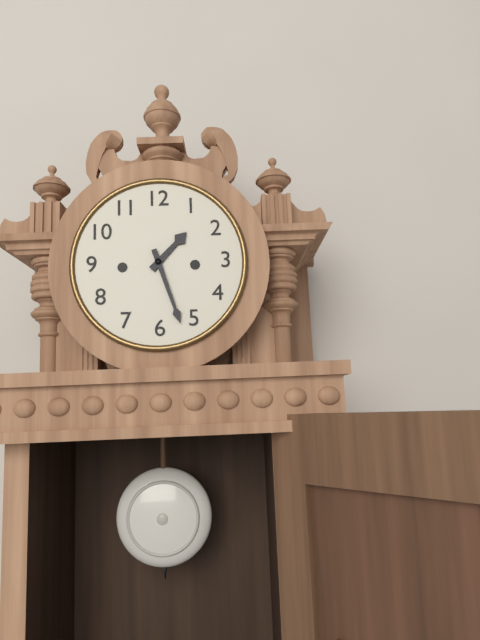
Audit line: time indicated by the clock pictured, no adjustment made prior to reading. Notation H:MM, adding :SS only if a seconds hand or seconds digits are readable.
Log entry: 1:27
